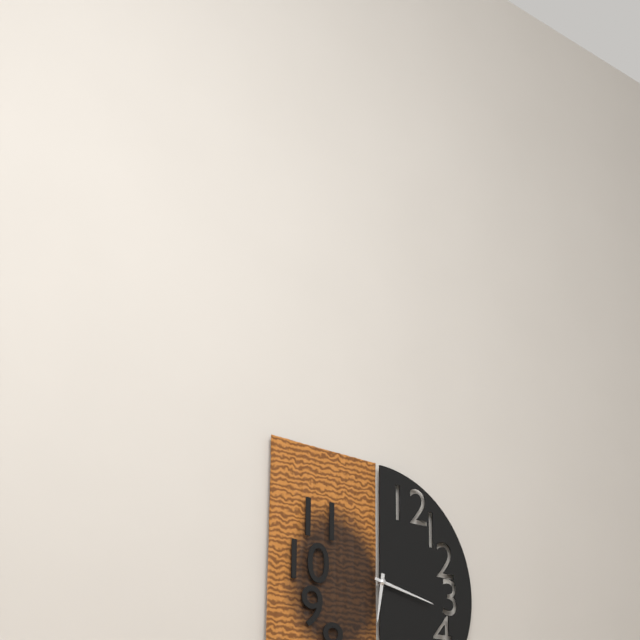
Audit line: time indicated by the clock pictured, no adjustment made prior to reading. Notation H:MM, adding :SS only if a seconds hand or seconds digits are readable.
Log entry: 6:17
